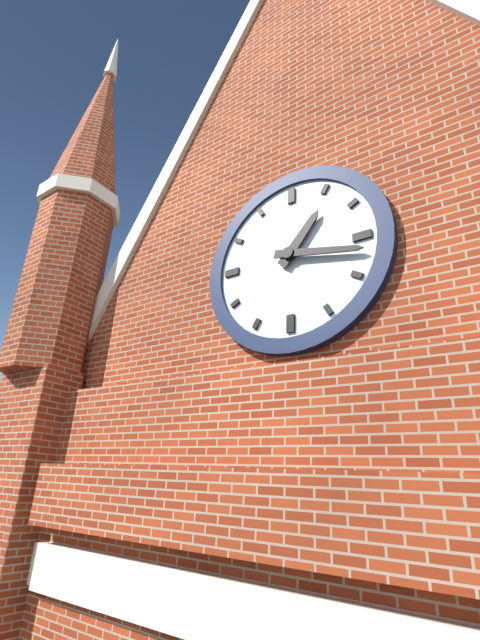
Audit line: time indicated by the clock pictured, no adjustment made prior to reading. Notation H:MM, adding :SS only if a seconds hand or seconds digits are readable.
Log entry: 1:17
